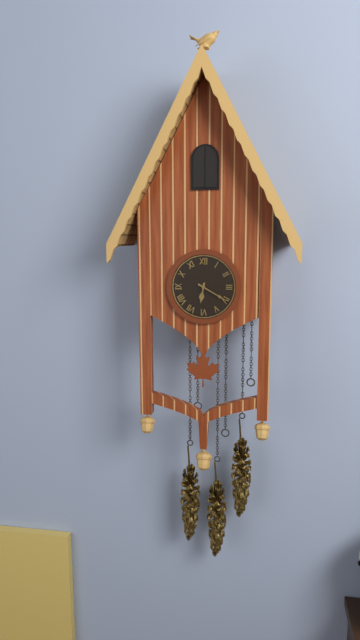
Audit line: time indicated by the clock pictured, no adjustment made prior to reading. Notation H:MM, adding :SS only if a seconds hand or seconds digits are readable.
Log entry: 6:20
